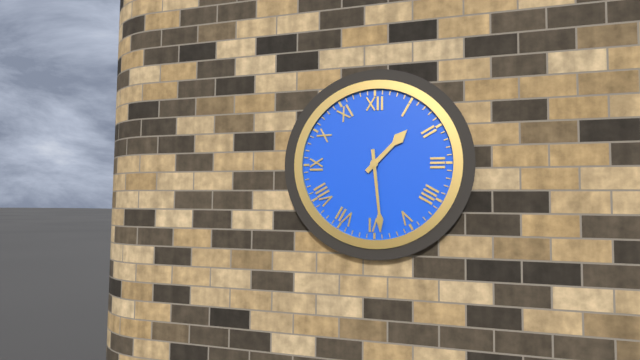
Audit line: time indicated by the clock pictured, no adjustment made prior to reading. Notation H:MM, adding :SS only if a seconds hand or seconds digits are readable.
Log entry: 1:29
